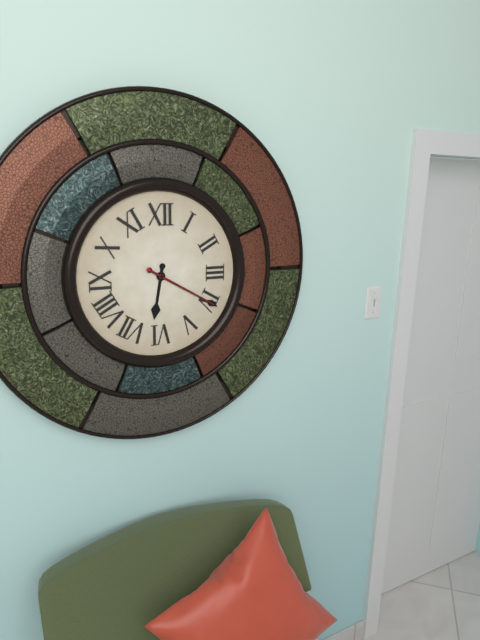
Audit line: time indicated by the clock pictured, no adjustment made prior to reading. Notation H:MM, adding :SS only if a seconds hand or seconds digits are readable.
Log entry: 6:20:20
